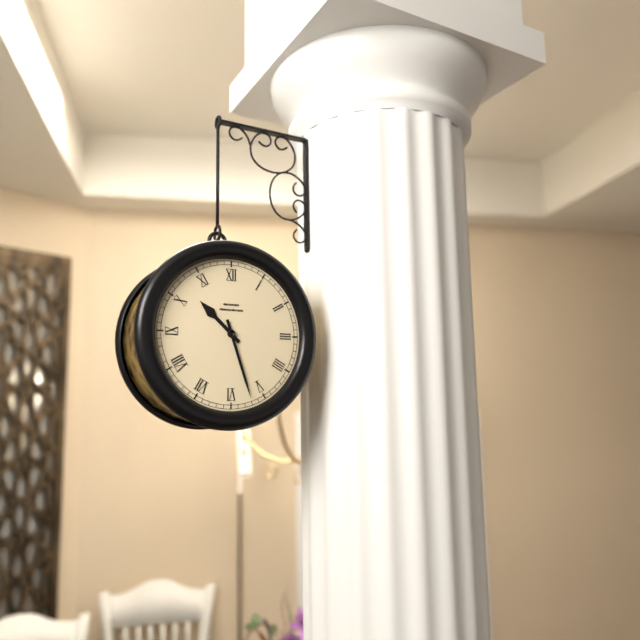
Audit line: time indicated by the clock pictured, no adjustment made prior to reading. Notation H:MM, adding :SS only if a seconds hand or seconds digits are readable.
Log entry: 10:27
